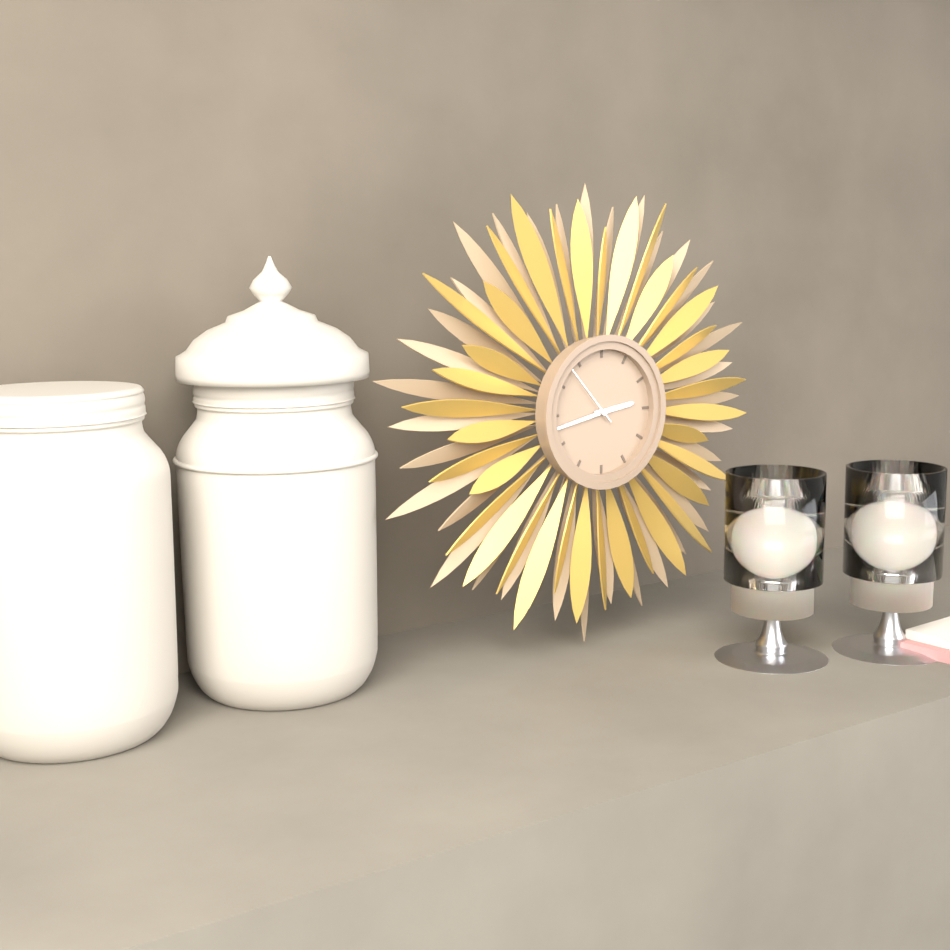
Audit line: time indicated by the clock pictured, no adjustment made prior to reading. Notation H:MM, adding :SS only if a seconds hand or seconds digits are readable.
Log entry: 2:43:53
